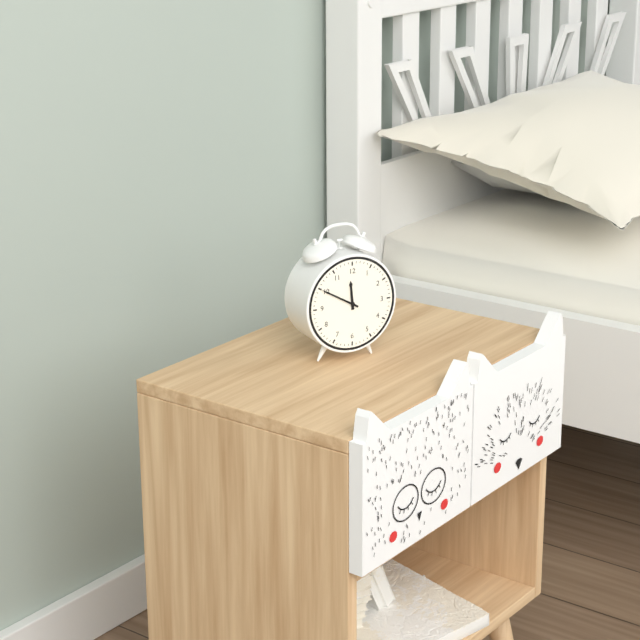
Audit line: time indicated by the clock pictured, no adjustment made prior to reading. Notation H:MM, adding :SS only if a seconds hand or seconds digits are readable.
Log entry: 11:50
